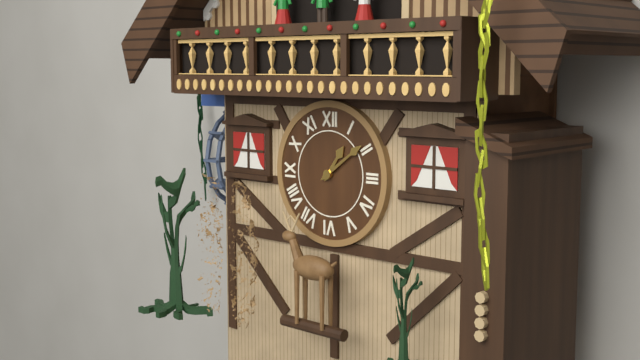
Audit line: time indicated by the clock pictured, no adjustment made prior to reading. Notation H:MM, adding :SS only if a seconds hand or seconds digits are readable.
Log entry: 1:09
